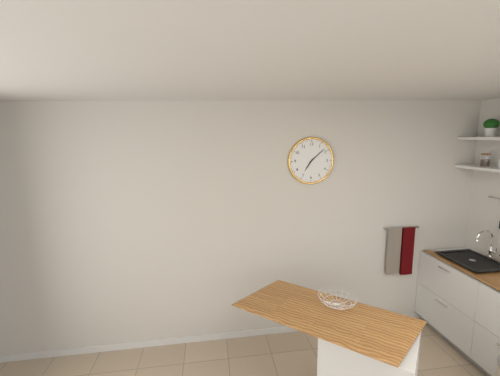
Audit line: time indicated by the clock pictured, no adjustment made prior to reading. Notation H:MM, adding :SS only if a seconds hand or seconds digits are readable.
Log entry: 7:08
